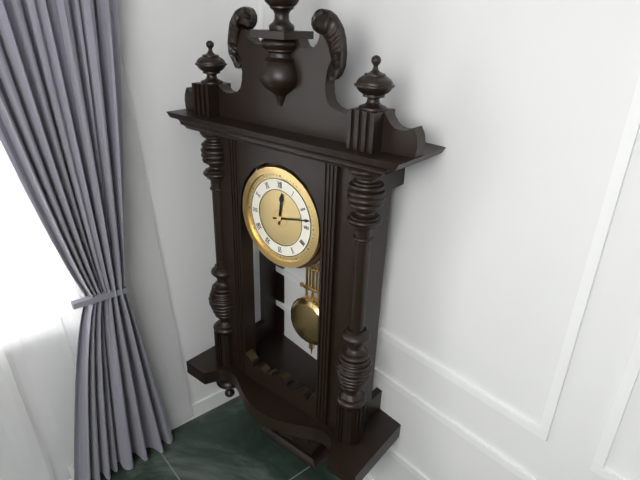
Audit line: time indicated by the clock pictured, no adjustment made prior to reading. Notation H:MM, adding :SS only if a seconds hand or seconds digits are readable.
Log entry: 12:13
